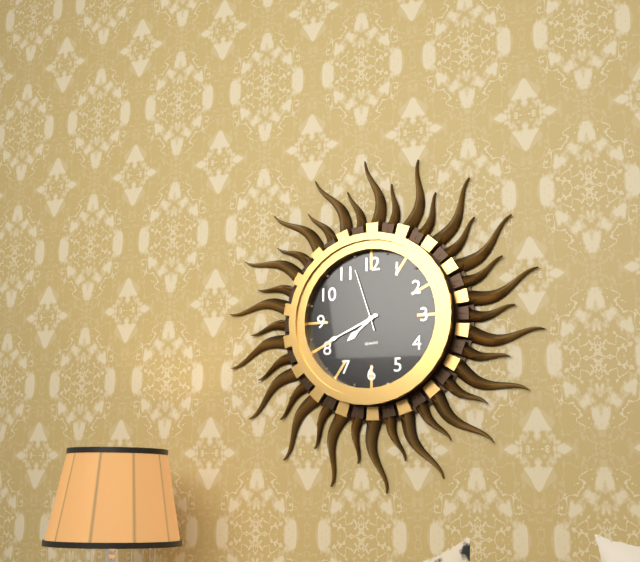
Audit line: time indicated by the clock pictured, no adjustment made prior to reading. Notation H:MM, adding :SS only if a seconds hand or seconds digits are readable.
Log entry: 7:41:57
